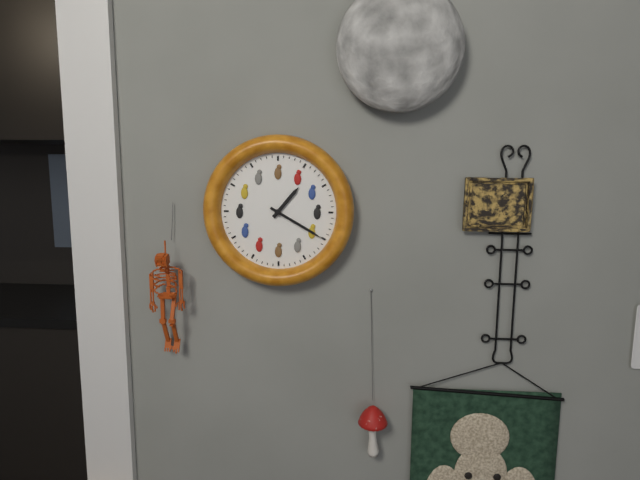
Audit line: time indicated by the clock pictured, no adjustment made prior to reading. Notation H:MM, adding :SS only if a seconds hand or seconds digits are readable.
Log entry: 1:20
